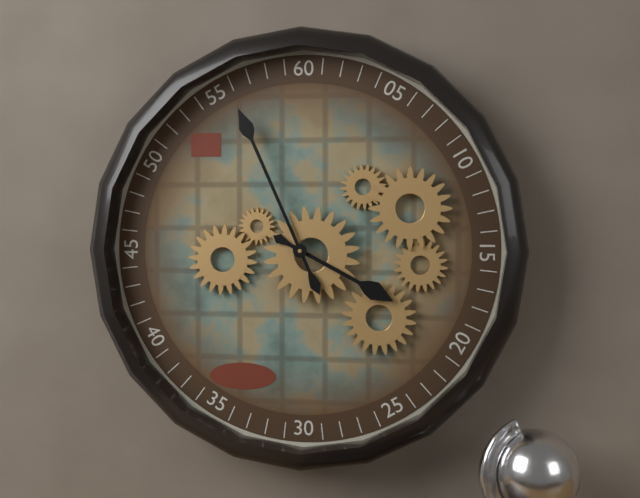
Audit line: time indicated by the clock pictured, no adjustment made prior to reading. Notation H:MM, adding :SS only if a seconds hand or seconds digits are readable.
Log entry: 3:56
